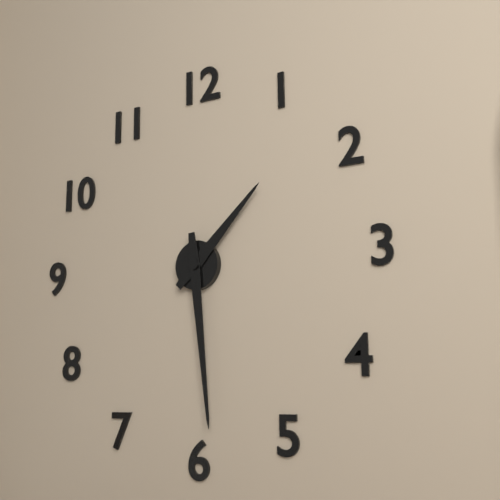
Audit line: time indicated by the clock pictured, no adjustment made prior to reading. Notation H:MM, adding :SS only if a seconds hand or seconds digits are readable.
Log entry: 1:29
